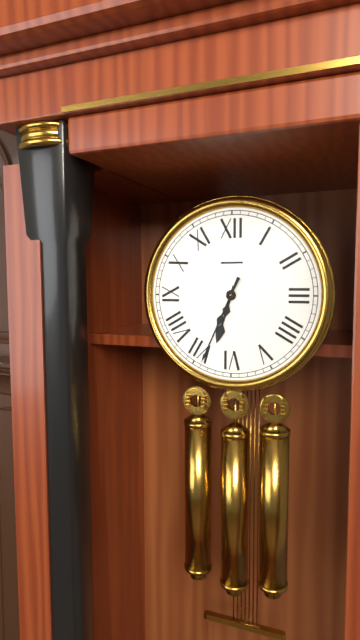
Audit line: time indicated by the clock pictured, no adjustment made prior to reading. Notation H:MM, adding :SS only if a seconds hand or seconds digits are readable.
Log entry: 6:34
